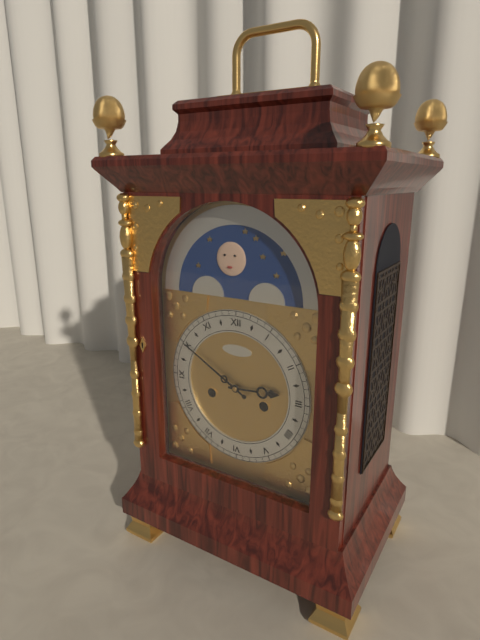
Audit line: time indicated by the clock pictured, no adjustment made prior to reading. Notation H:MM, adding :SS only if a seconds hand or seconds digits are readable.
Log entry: 2:50
